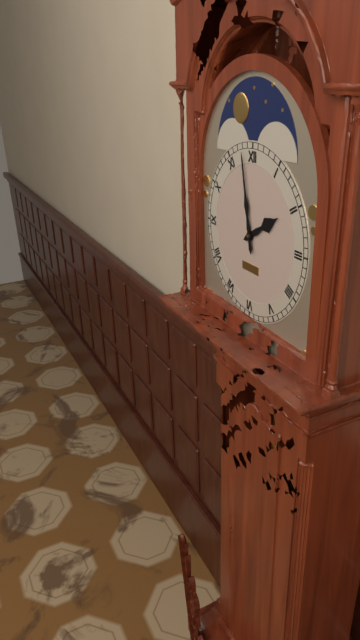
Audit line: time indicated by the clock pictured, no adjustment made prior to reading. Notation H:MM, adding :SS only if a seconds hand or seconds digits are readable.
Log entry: 1:58
